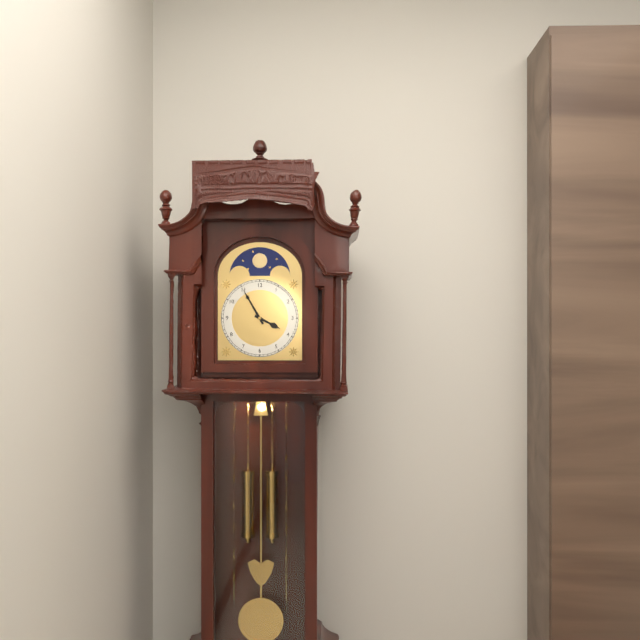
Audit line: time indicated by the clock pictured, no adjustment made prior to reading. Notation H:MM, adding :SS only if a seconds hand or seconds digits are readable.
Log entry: 3:55
